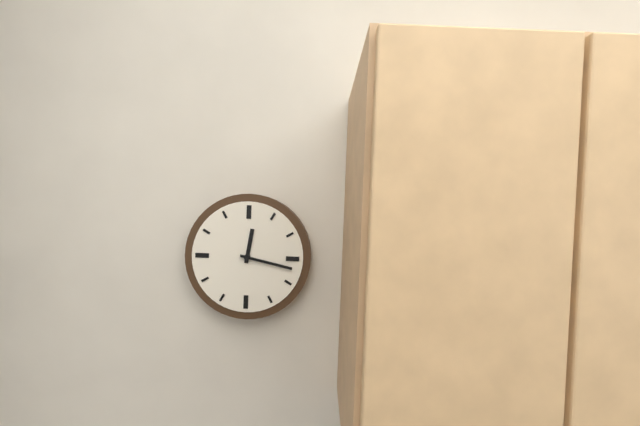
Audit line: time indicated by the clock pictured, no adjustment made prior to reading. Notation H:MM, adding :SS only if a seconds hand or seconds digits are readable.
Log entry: 12:17
